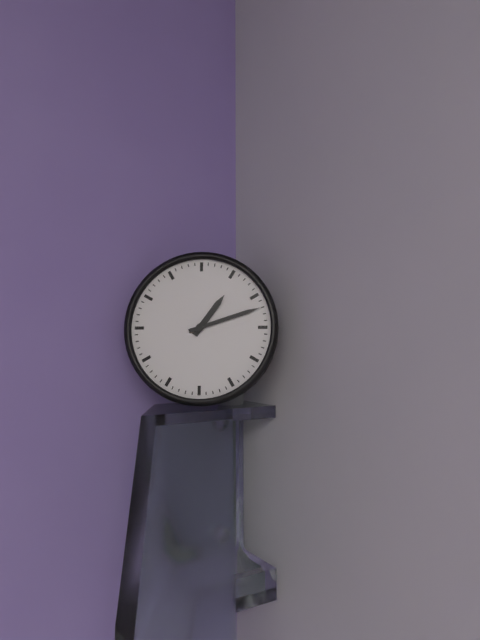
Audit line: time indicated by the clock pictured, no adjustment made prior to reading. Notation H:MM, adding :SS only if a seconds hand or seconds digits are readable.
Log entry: 1:12
